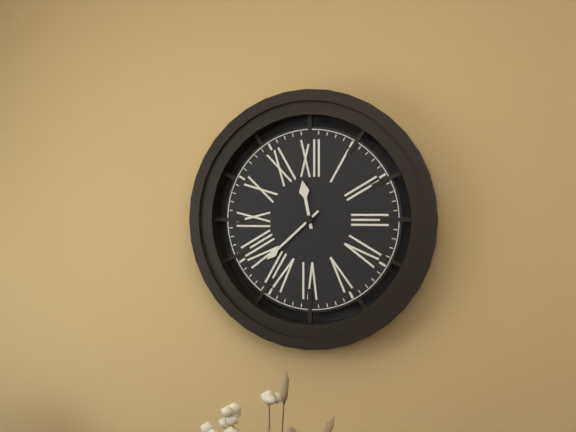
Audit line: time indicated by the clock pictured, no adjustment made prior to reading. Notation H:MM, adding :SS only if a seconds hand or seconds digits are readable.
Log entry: 11:38
